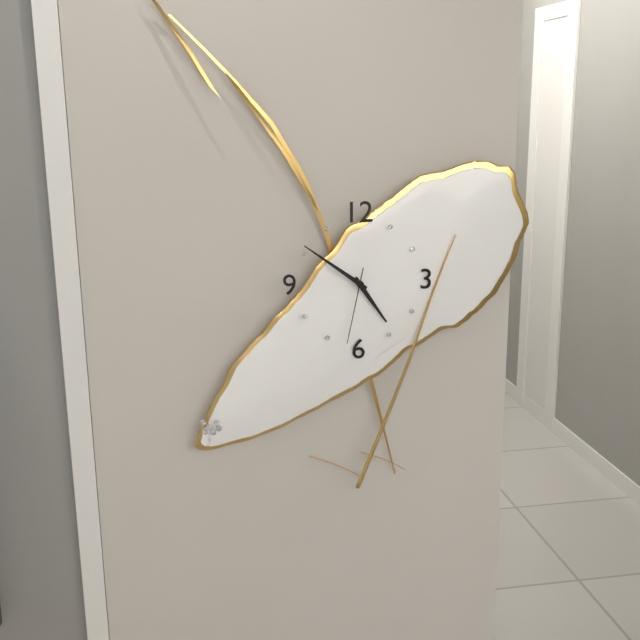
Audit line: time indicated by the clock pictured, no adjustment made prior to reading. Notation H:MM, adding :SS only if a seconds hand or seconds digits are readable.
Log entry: 4:51:32
